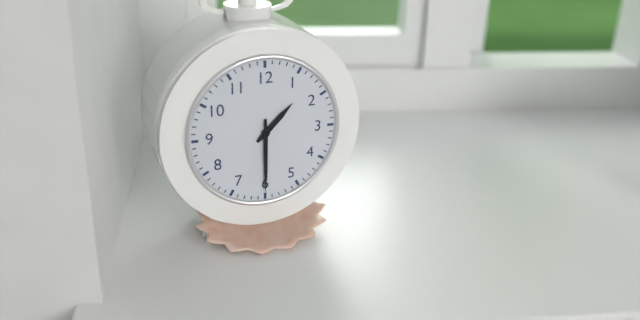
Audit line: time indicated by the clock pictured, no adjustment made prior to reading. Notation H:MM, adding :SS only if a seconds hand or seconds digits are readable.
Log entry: 1:30
